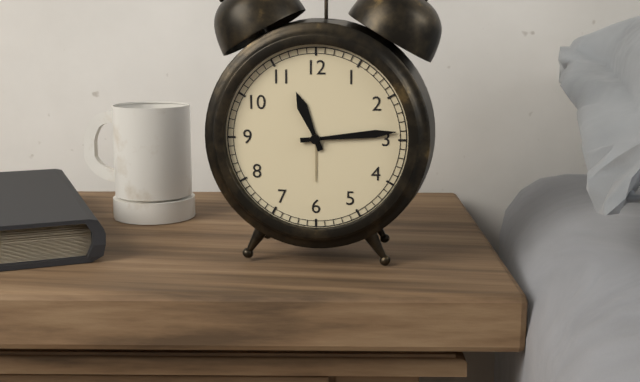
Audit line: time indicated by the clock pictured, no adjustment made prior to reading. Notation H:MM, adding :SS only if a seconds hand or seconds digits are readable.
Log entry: 11:14
